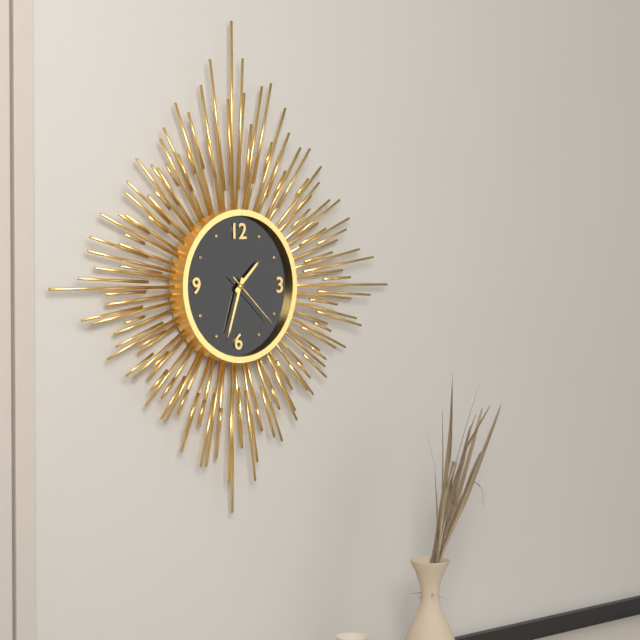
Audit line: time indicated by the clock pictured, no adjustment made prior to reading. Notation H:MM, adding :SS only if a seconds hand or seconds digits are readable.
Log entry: 1:33:22
